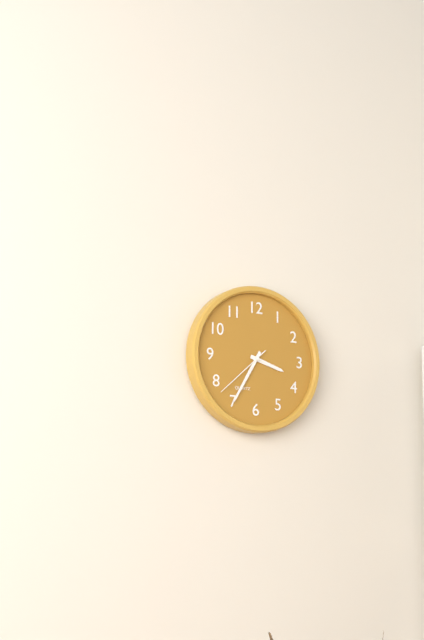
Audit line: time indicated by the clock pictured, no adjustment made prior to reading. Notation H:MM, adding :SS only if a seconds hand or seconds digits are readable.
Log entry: 3:35:38
